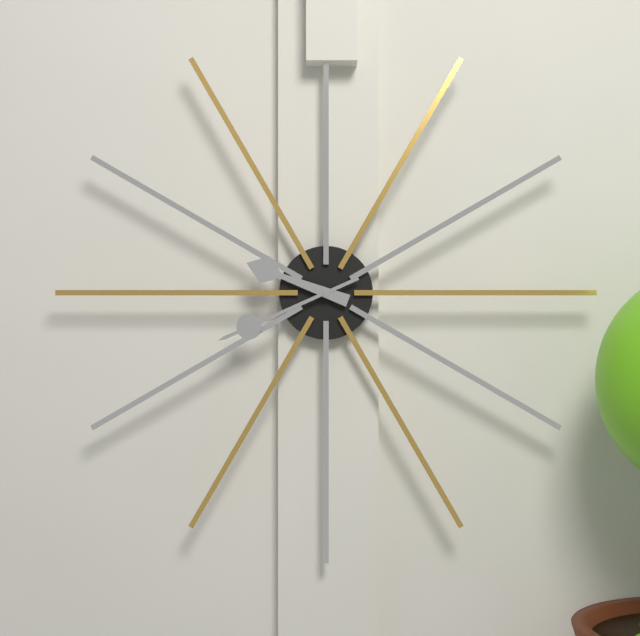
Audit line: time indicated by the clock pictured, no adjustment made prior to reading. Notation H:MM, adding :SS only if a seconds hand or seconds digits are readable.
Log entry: 9:41
